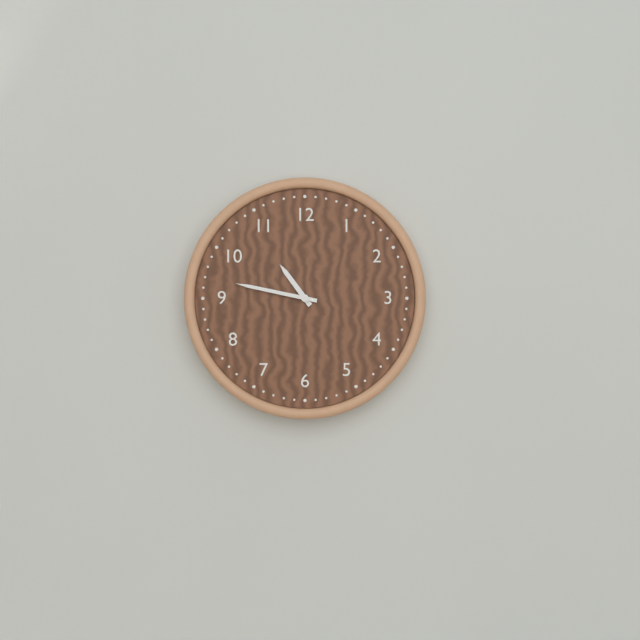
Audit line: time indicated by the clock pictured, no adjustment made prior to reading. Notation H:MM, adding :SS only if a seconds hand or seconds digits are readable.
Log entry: 10:47
